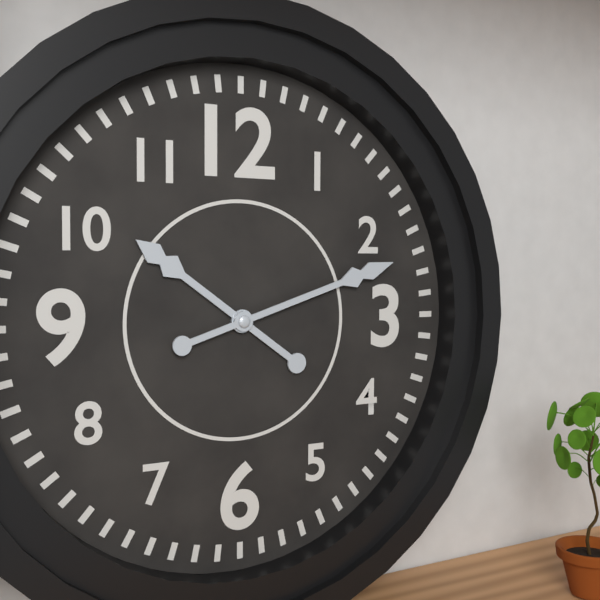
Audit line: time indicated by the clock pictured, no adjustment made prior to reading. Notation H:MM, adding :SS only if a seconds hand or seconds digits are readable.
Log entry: 10:12
